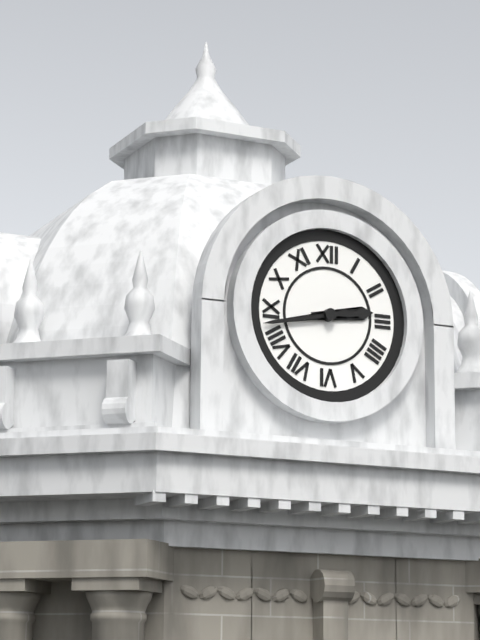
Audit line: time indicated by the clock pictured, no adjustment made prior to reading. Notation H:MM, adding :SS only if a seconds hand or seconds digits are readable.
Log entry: 2:43
